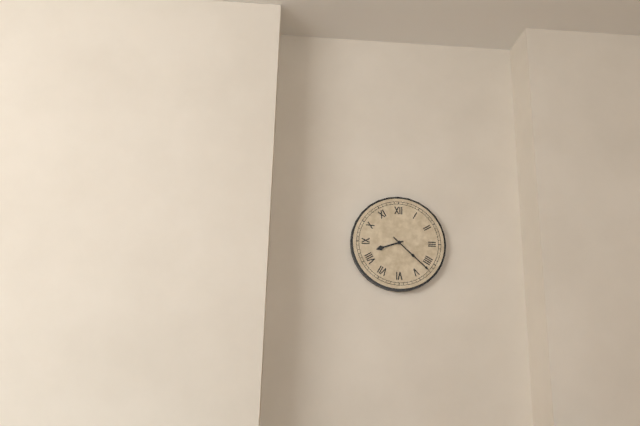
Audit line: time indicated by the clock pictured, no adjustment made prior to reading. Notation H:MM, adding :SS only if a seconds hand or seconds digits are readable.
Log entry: 8:22
